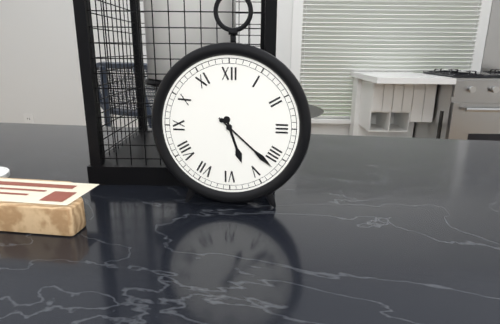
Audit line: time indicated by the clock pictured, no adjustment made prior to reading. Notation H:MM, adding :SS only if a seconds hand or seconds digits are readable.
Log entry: 5:22
